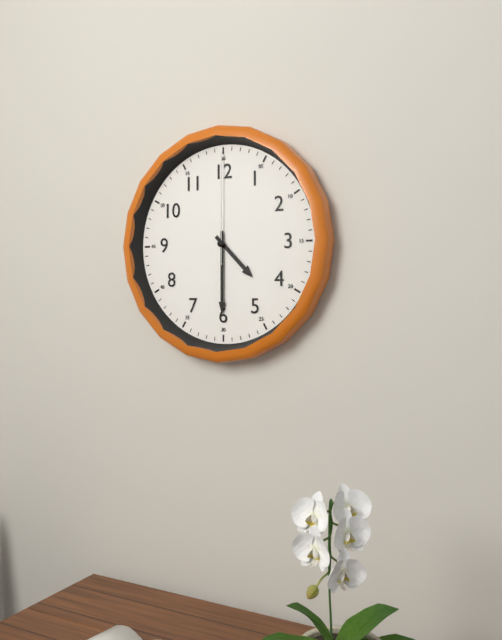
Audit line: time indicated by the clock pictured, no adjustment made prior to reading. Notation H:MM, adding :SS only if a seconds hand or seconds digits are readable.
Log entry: 4:30:00
